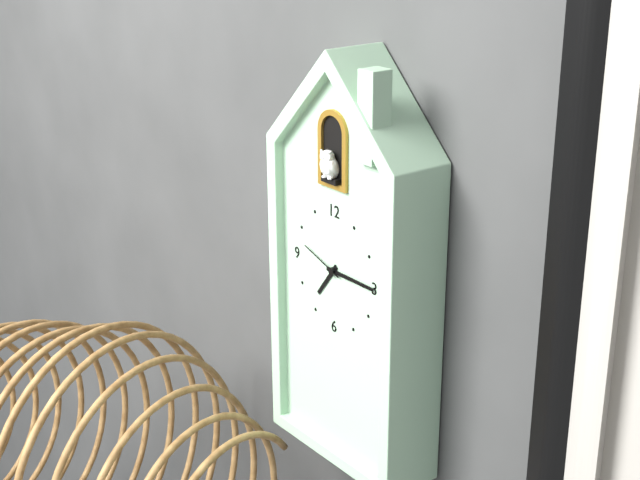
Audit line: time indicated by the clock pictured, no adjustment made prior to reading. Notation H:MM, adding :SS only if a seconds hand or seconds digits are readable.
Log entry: 7:15
